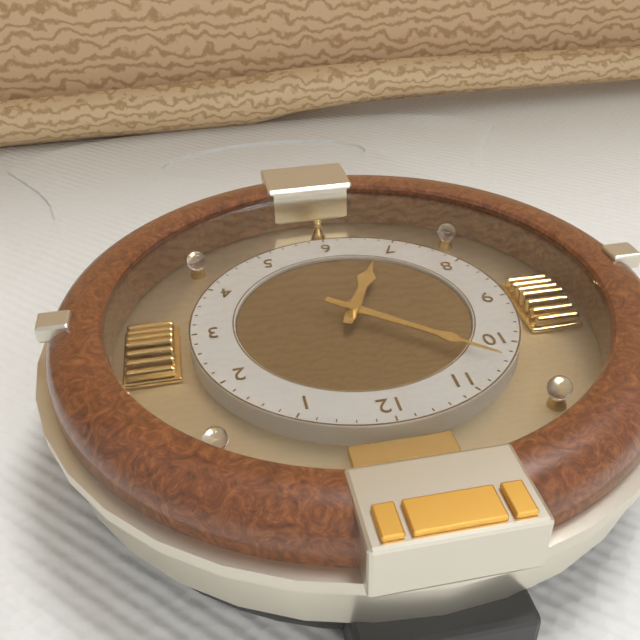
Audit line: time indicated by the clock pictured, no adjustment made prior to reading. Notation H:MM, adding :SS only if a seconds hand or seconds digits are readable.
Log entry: 6:52
